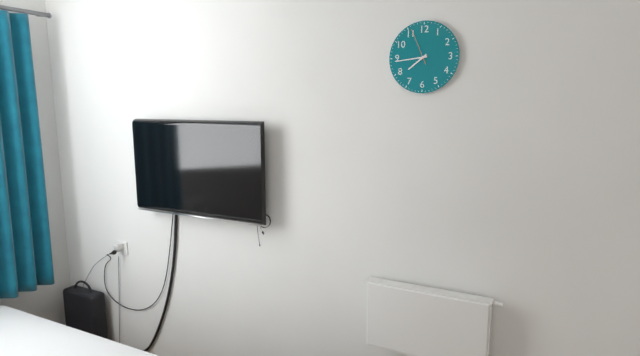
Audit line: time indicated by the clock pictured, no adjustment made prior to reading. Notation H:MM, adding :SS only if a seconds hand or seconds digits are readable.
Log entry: 7:44
